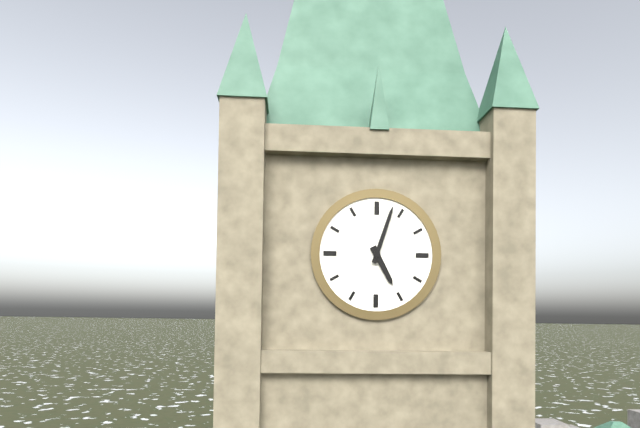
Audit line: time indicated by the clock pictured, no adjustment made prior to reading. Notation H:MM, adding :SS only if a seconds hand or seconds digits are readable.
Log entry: 5:03
